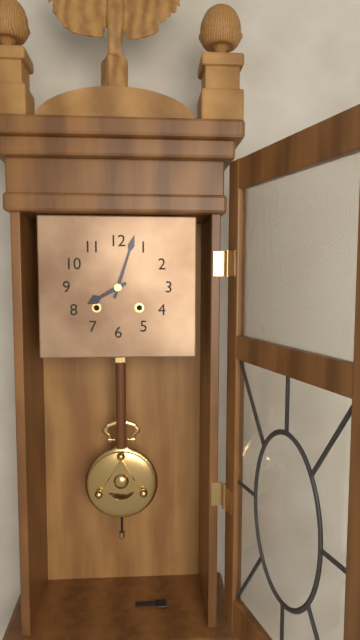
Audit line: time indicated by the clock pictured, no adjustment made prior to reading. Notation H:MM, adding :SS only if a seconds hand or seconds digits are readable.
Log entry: 8:03
